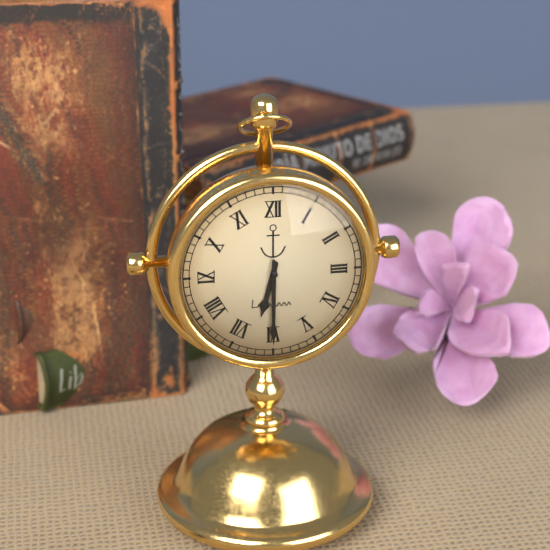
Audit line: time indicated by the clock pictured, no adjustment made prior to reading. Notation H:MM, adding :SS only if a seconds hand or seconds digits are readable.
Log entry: 6:30
